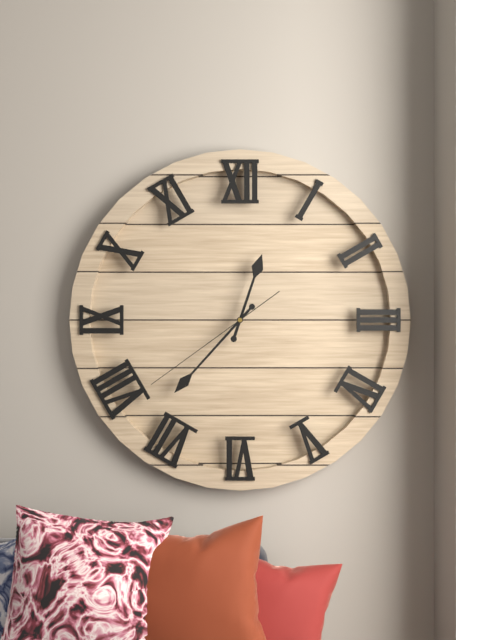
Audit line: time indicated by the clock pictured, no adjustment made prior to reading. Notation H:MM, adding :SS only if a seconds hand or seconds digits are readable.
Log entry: 12:37:39
